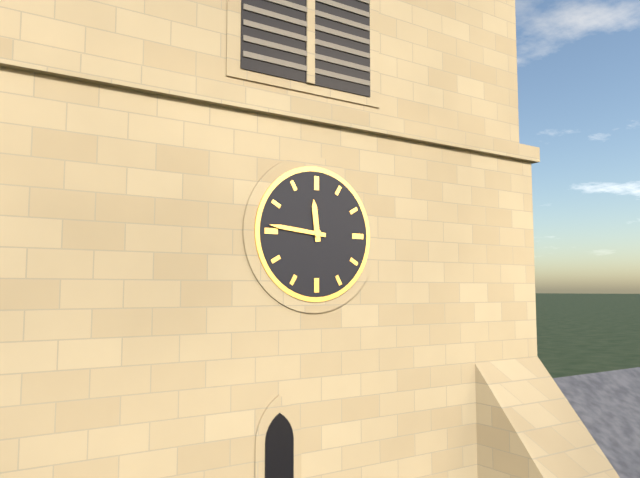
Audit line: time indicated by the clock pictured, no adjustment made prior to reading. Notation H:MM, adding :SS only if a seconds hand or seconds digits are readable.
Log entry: 11:46
